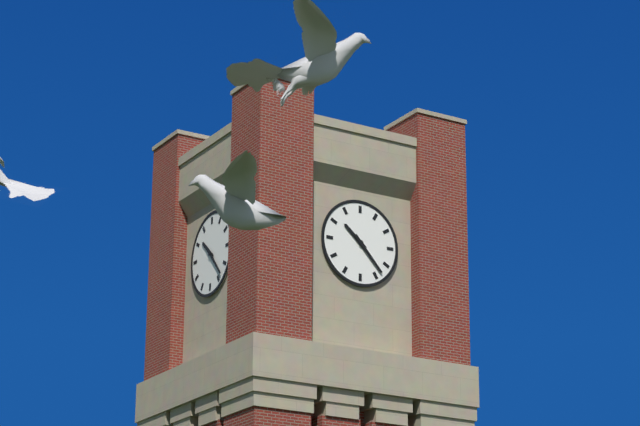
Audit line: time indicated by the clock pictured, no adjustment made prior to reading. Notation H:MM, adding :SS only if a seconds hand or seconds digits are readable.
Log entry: 10:23
